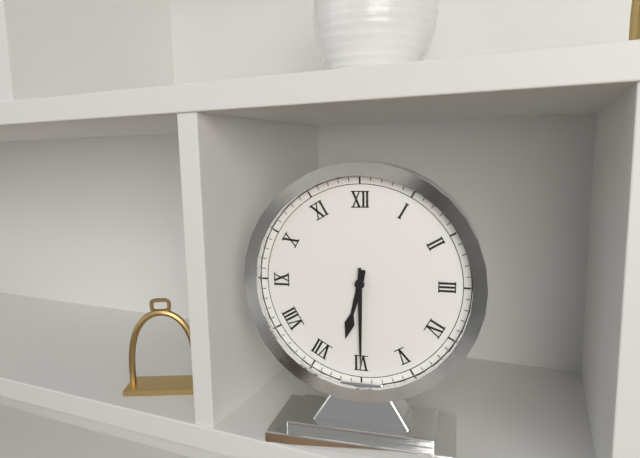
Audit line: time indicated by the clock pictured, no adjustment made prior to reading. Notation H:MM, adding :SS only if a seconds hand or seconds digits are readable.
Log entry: 6:30
